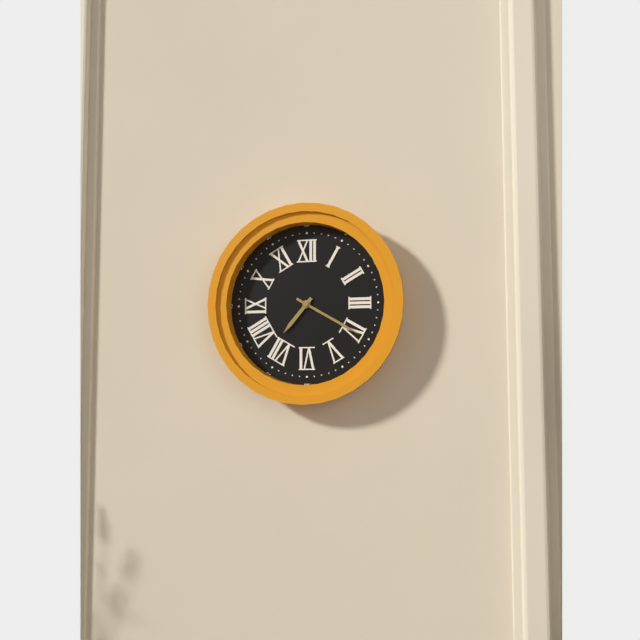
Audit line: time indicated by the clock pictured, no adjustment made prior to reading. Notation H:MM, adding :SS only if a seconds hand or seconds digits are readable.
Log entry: 7:20
